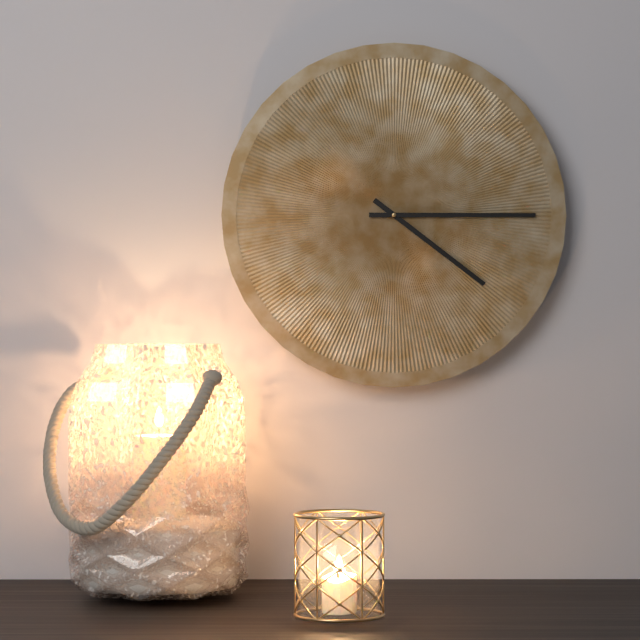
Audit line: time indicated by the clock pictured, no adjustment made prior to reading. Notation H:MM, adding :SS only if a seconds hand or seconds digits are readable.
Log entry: 4:15
